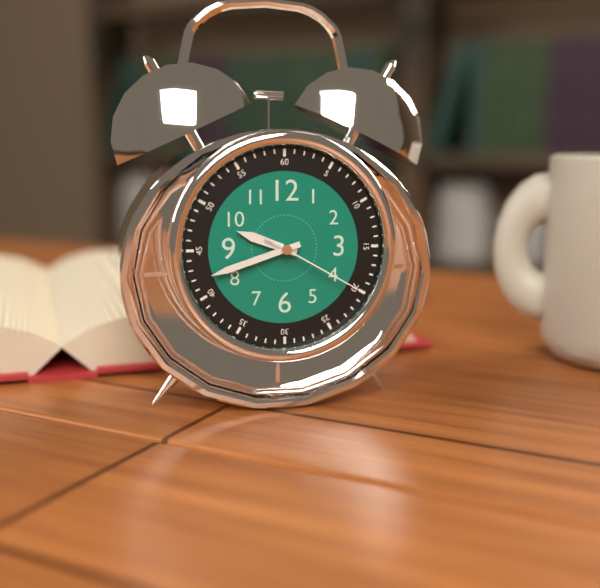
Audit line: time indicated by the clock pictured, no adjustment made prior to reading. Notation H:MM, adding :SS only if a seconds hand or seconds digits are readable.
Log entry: 9:42:20
